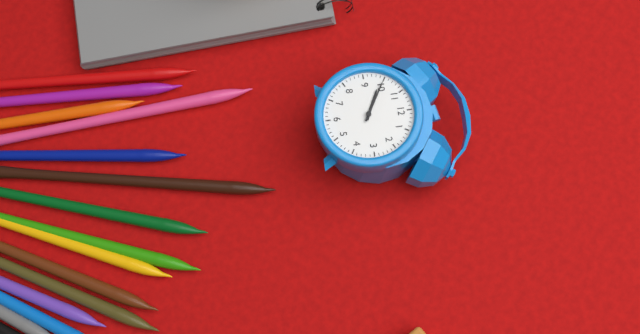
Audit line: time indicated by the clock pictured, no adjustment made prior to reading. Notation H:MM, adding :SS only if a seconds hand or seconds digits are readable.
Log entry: 9:50
